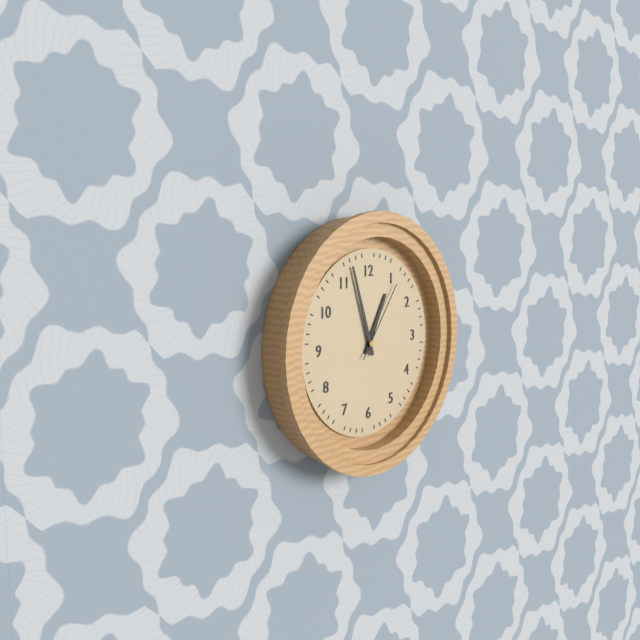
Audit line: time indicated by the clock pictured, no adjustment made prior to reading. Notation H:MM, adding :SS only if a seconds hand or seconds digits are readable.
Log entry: 12:57:06
